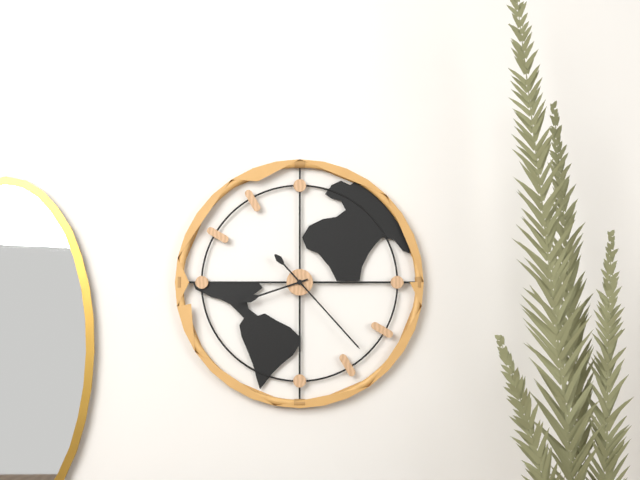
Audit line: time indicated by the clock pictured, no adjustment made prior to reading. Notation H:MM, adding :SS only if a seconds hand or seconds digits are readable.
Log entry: 8:23
